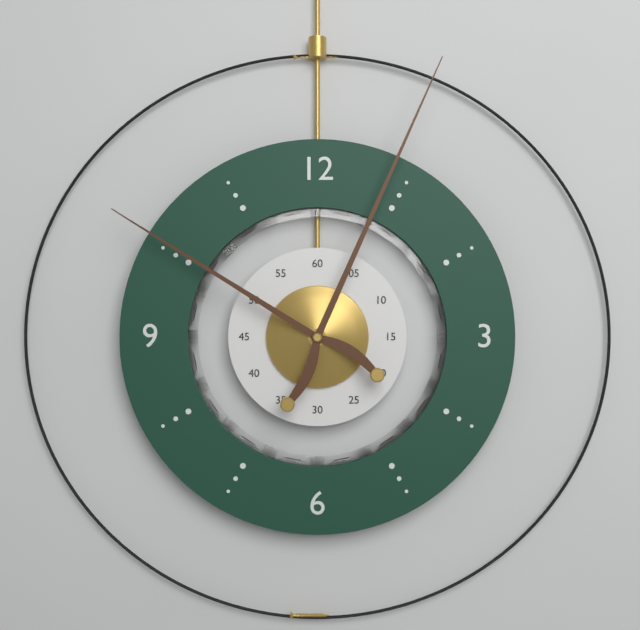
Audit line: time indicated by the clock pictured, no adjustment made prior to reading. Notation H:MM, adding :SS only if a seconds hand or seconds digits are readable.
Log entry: 10:04
